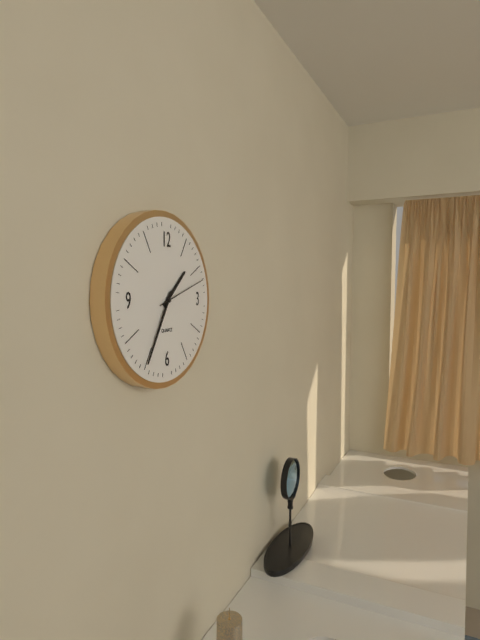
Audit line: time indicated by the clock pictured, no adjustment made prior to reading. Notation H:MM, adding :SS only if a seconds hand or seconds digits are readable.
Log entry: 1:35:12
